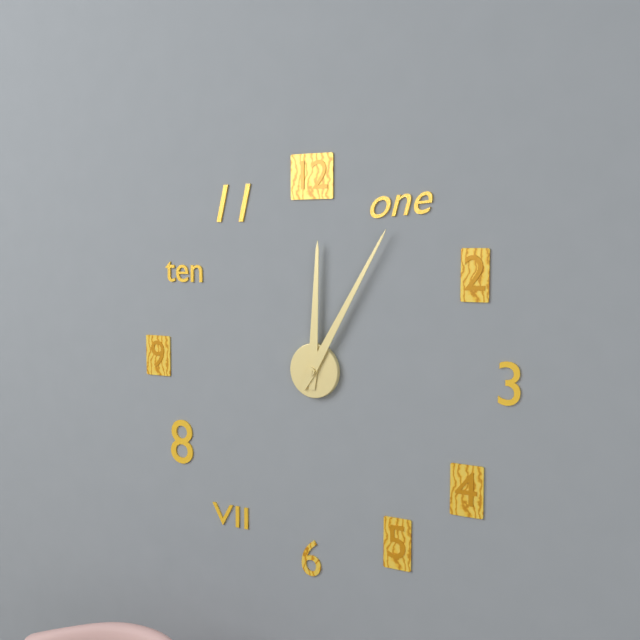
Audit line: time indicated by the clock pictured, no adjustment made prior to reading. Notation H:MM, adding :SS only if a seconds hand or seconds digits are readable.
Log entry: 12:05
